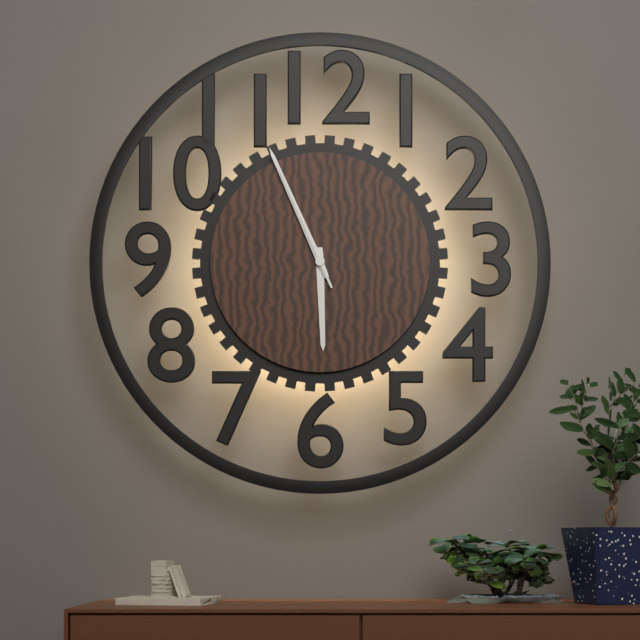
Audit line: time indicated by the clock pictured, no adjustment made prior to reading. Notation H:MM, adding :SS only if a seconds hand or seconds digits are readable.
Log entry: 5:56:56
